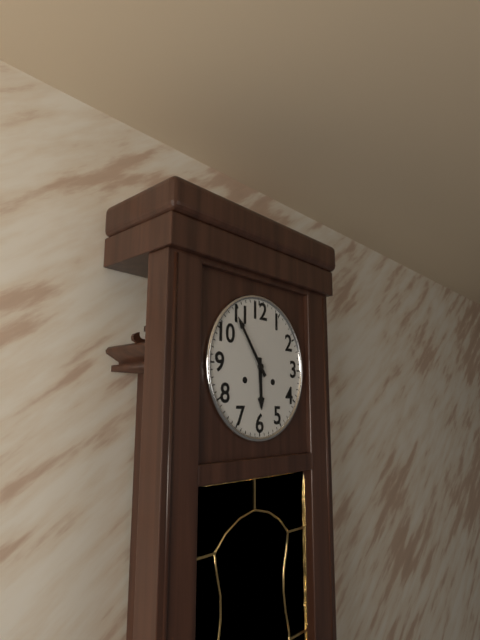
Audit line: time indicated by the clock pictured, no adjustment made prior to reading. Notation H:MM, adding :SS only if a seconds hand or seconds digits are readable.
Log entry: 5:54
